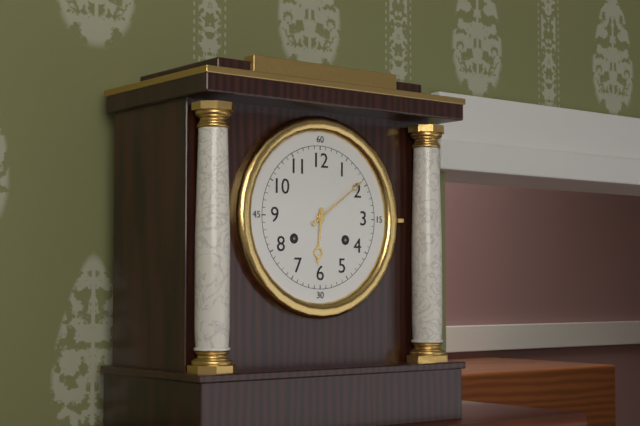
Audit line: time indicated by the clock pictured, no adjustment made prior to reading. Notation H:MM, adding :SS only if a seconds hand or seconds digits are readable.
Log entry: 6:09
